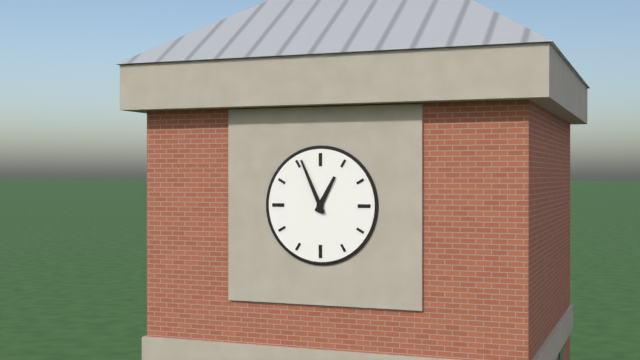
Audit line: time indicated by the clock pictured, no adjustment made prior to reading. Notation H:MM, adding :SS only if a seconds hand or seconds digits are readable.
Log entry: 12:56
